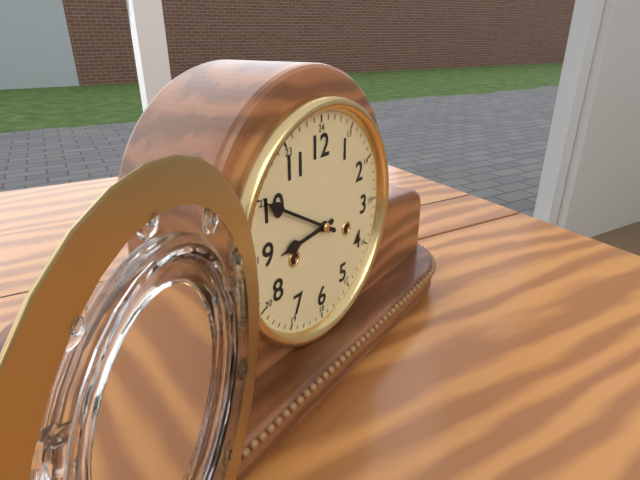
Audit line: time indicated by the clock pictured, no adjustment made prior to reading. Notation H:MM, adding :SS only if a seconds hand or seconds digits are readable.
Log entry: 8:50
